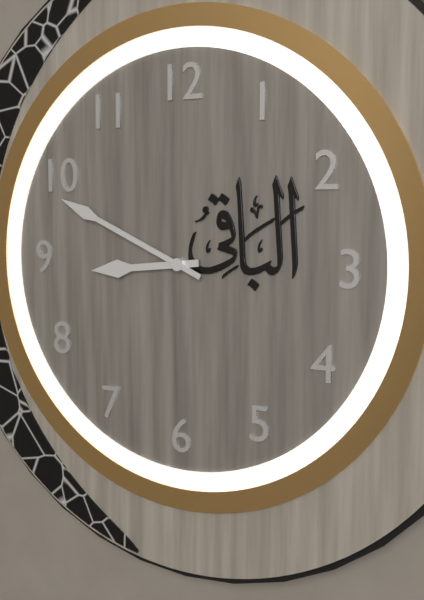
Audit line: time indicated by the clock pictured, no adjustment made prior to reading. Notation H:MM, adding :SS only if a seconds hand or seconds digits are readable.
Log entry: 8:49
